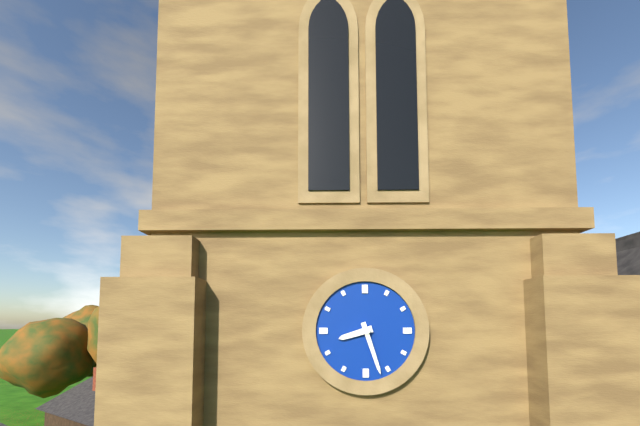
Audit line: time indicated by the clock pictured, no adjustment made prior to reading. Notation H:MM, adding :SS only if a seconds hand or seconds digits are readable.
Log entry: 8:27
